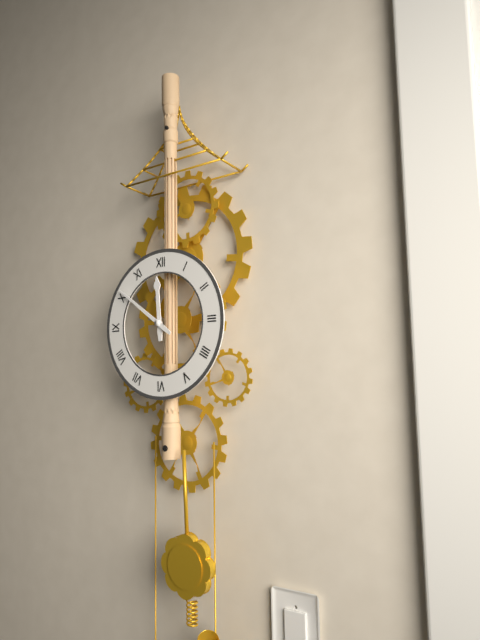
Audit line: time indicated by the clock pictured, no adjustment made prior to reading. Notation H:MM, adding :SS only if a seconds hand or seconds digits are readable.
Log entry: 11:51
